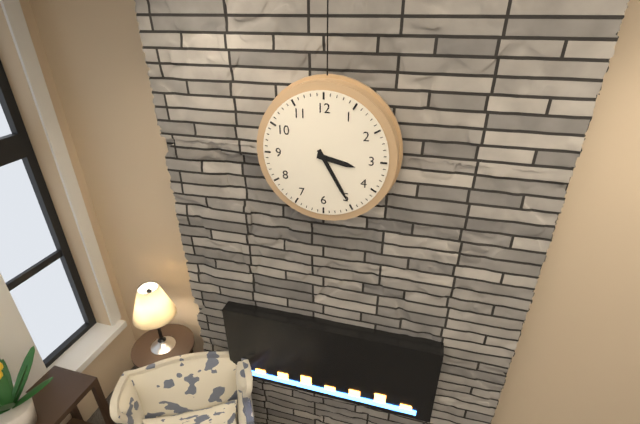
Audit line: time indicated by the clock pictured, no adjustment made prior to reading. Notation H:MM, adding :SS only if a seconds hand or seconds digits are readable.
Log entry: 3:25
